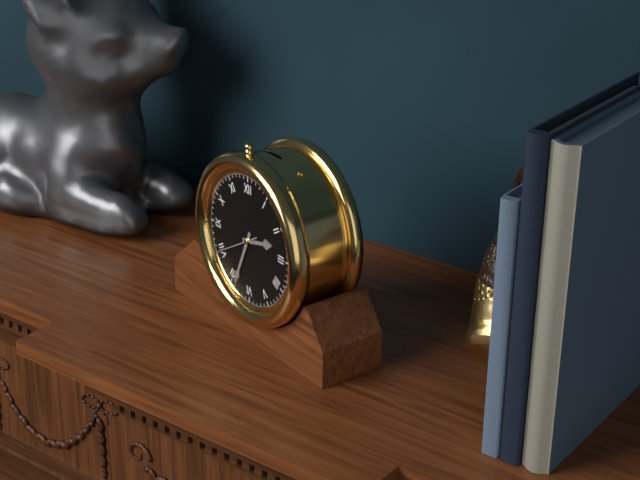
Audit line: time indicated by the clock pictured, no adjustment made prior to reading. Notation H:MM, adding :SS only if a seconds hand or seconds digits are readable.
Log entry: 2:34:40
